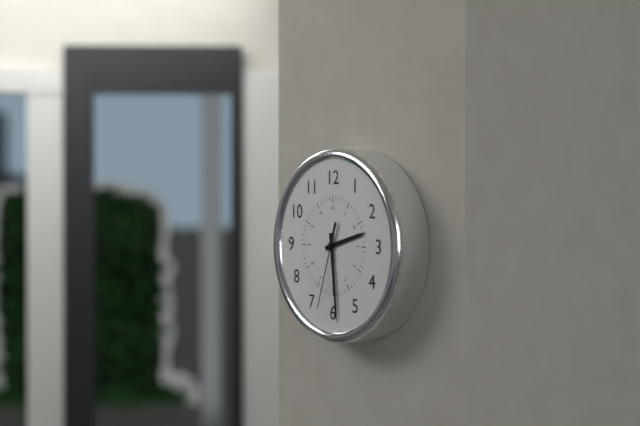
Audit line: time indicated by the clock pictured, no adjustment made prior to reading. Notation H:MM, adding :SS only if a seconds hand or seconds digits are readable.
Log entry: 2:29:33
